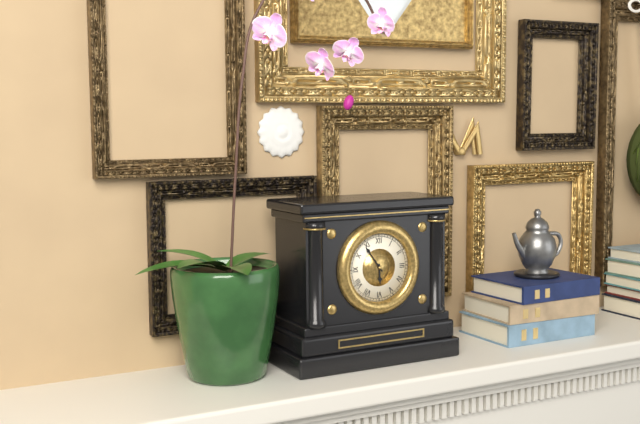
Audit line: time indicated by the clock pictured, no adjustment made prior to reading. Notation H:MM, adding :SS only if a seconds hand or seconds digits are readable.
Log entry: 5:54
